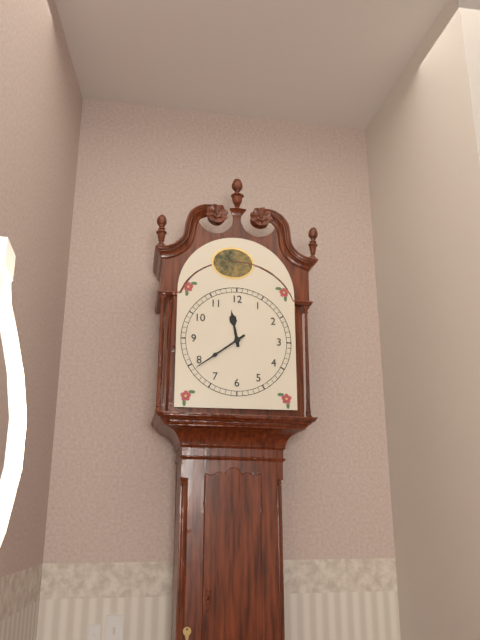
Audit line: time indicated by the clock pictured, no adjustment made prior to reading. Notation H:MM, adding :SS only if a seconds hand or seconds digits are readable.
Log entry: 11:39
